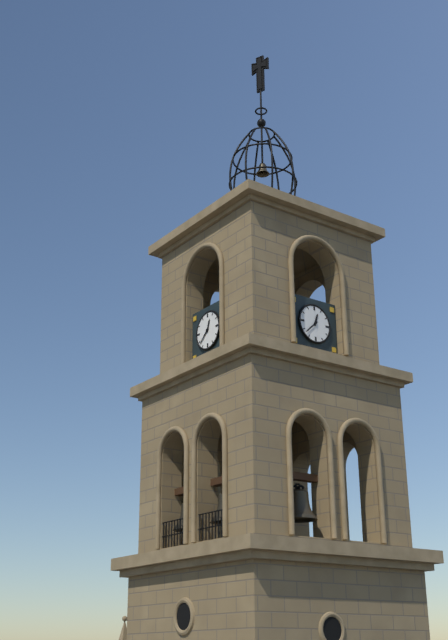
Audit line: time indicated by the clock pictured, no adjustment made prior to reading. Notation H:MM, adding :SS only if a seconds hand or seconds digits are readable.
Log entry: 12:38
